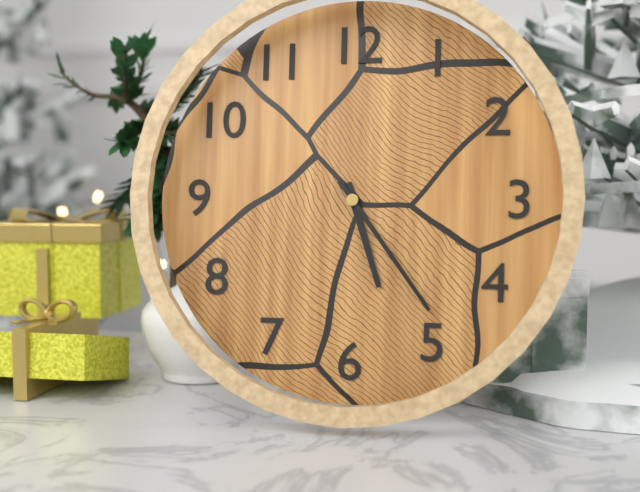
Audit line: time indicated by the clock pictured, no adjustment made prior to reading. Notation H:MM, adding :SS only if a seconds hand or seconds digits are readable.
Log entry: 5:24
